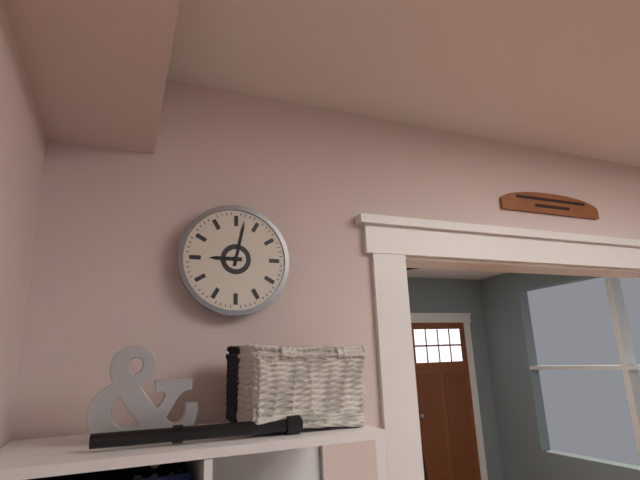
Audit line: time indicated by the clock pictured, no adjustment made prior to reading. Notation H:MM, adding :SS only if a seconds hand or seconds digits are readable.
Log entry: 9:02
